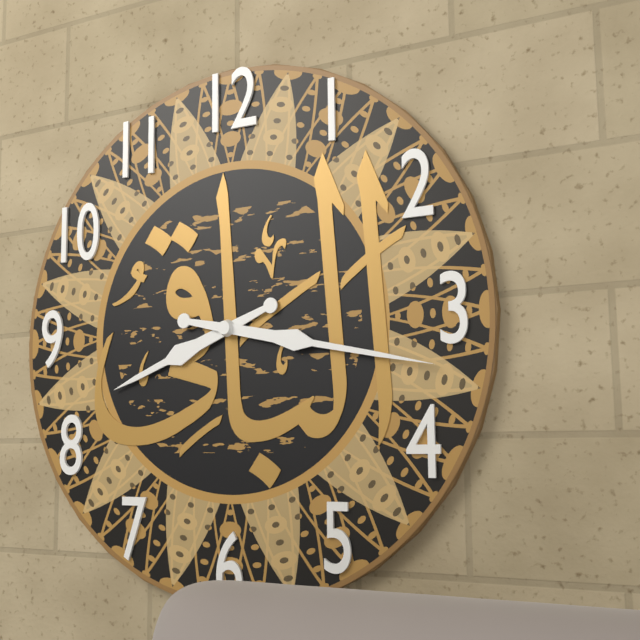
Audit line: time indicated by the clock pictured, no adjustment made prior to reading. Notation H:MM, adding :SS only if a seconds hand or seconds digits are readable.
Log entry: 8:17
